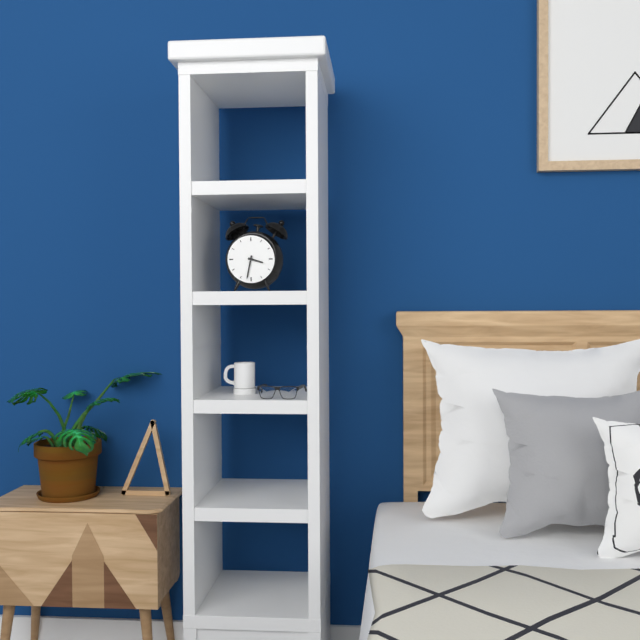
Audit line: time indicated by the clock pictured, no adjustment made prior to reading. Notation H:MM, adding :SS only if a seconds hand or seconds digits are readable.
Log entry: 3:32
